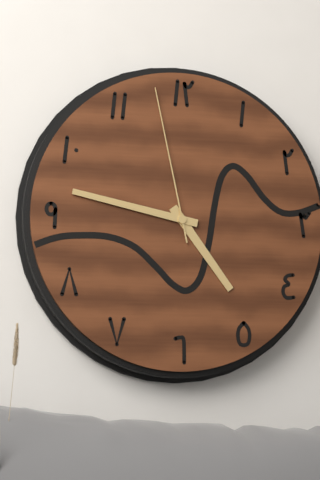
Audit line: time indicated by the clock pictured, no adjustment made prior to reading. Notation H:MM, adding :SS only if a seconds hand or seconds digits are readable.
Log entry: 4:47:58
